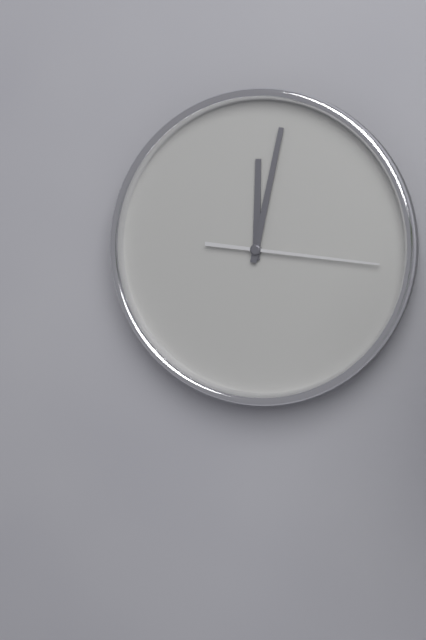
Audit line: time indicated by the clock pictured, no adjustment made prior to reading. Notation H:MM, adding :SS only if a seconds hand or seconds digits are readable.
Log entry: 12:02:16
